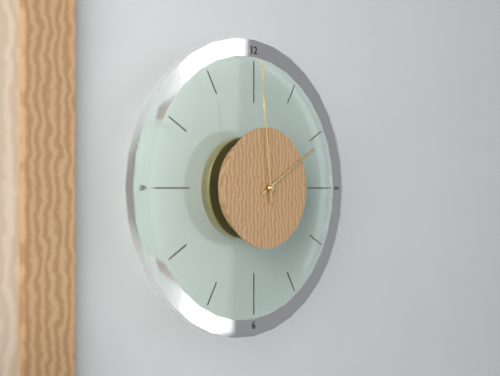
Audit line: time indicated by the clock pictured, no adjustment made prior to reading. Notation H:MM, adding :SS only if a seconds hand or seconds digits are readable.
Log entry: 1:59
